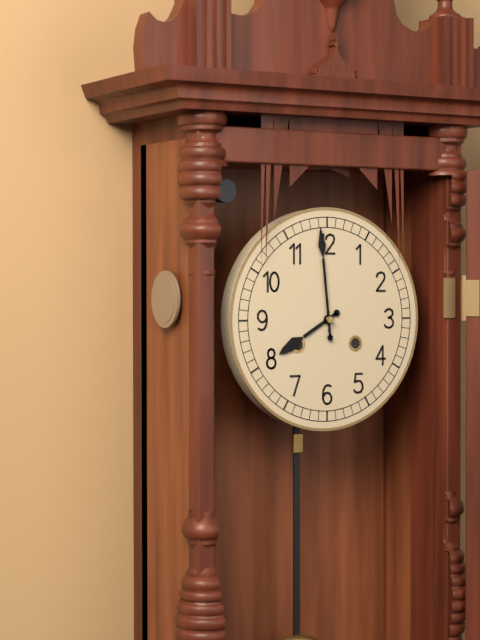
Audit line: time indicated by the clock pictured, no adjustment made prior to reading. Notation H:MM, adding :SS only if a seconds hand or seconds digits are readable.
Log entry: 7:59
